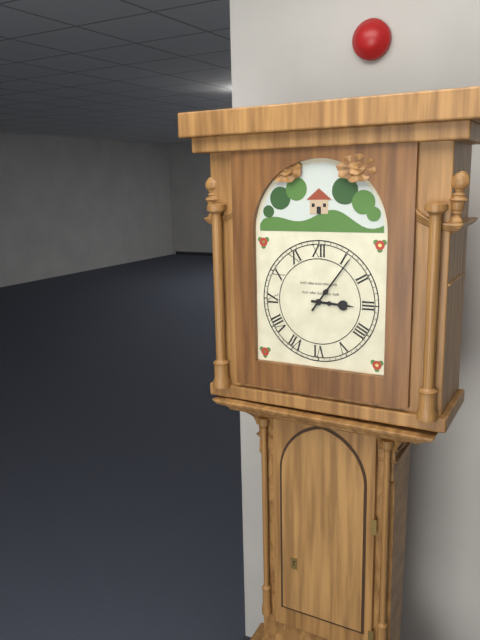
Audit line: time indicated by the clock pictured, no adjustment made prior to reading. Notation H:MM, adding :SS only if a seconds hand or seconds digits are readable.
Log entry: 3:06
